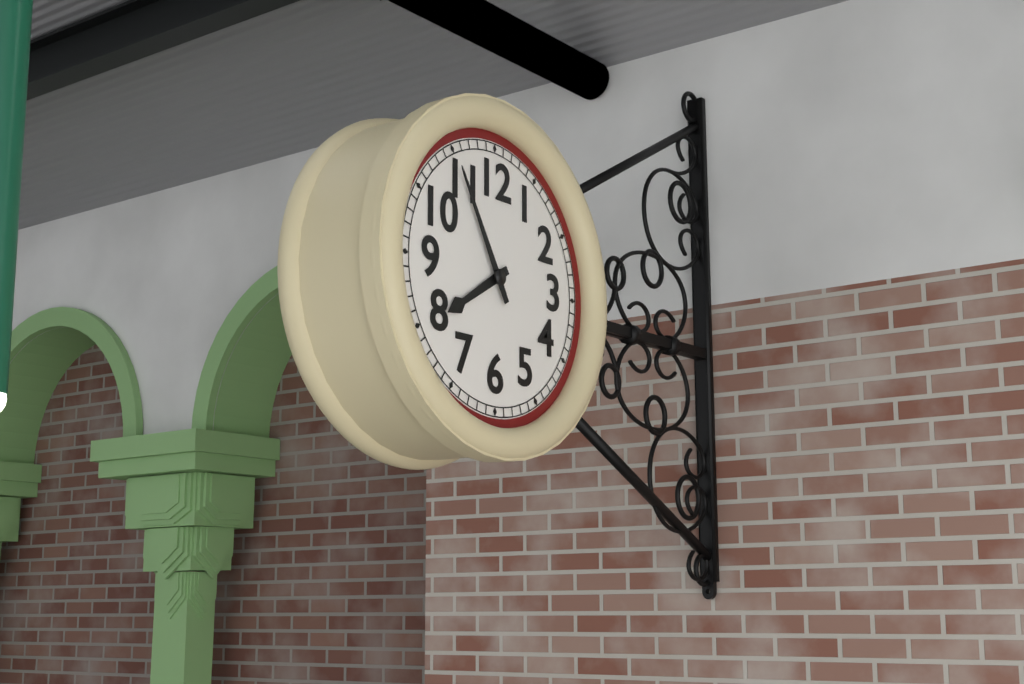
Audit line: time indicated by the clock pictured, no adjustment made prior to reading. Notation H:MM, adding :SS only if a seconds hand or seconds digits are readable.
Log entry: 7:55
